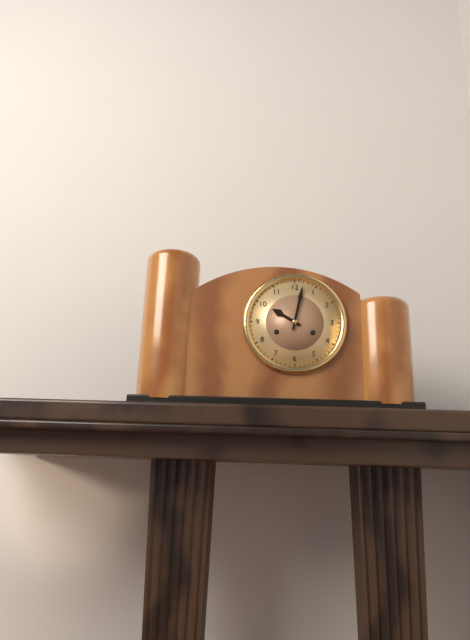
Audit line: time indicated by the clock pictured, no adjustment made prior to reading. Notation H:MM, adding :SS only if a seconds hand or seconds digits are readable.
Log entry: 10:02
